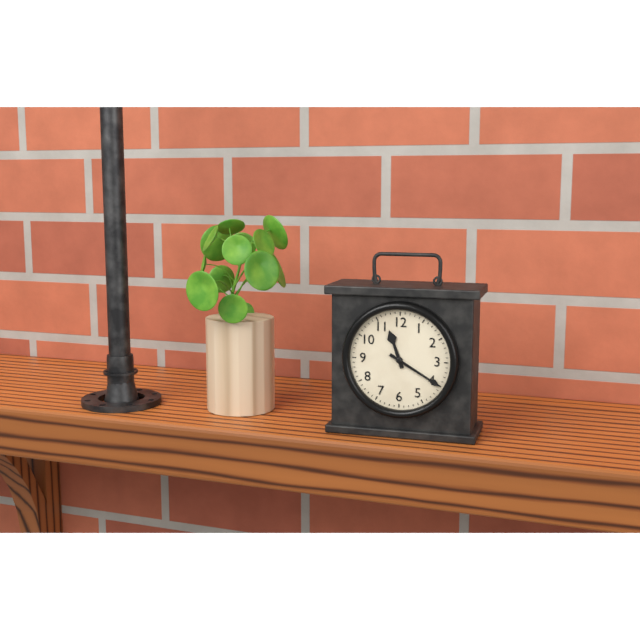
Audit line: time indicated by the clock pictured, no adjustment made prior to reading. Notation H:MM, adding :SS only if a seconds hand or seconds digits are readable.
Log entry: 11:20
